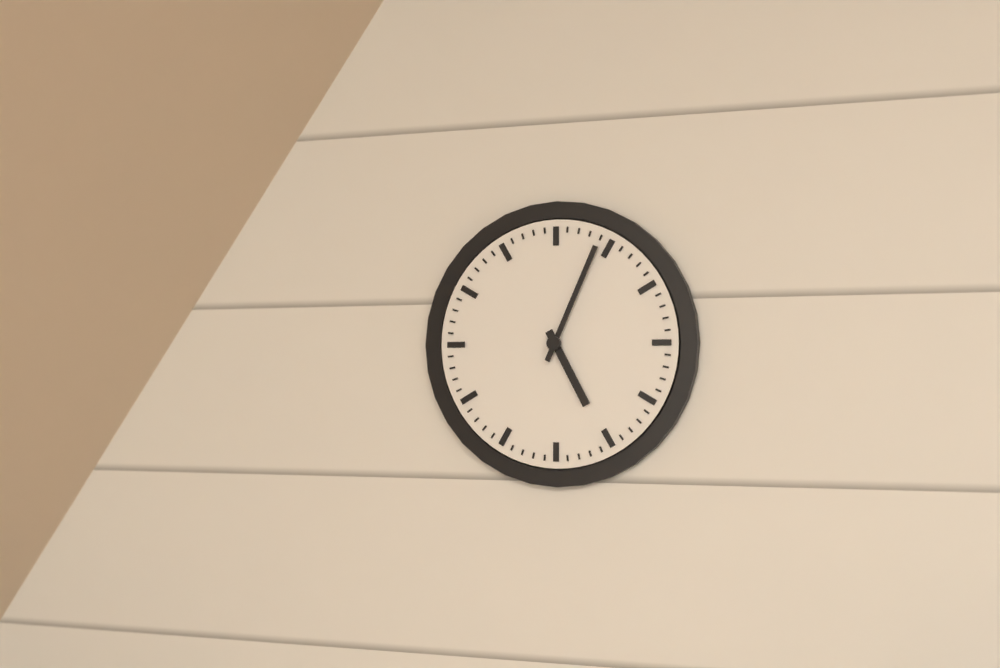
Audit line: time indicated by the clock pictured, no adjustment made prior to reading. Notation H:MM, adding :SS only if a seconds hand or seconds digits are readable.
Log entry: 5:04
